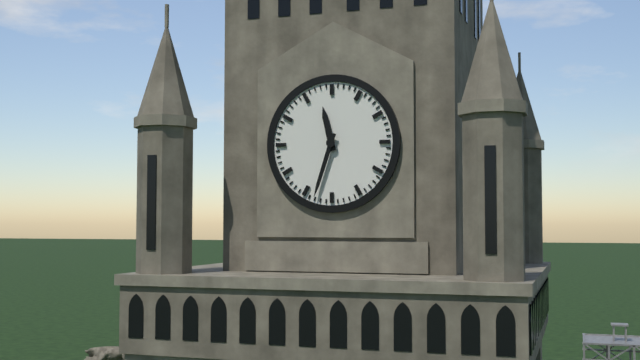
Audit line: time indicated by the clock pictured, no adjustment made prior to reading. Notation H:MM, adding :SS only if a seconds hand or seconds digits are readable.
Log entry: 11:33
